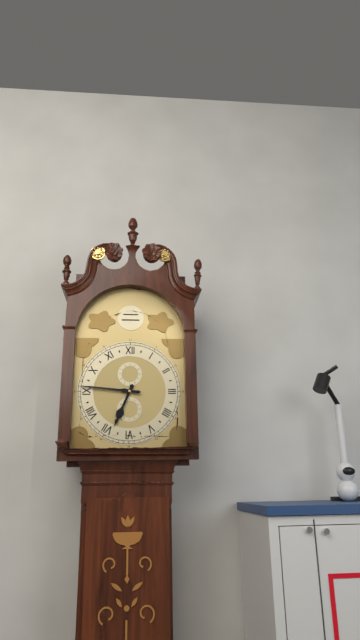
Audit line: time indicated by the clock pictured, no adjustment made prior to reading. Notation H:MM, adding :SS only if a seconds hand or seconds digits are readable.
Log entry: 6:46
